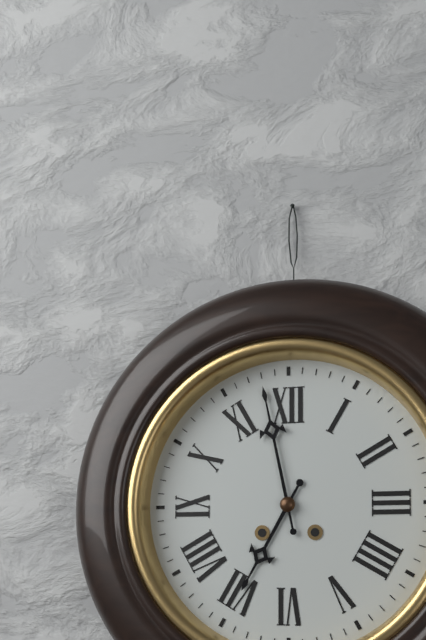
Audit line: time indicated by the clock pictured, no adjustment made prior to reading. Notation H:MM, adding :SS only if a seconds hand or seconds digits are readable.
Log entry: 6:58
